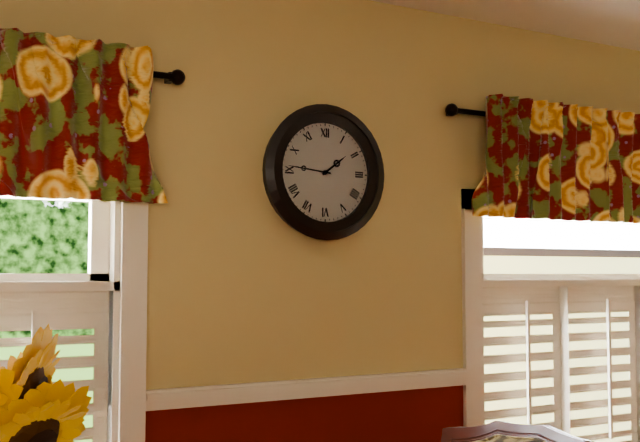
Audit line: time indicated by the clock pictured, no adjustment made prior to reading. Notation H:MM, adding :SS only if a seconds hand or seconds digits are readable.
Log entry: 1:46
